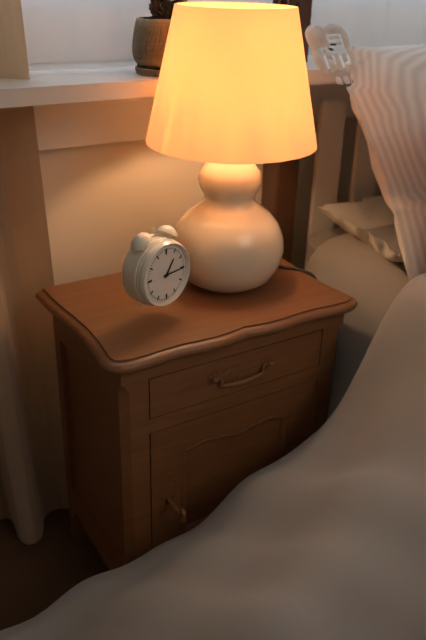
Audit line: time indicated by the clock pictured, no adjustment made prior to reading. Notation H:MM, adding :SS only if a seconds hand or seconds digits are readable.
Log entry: 1:15
